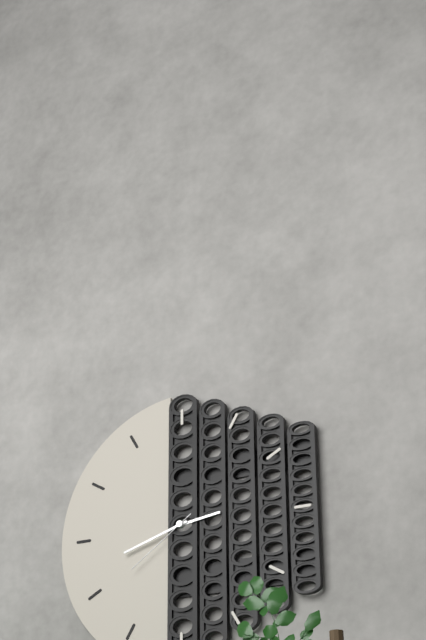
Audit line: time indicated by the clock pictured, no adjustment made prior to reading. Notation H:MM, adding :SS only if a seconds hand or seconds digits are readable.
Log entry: 2:42:39
